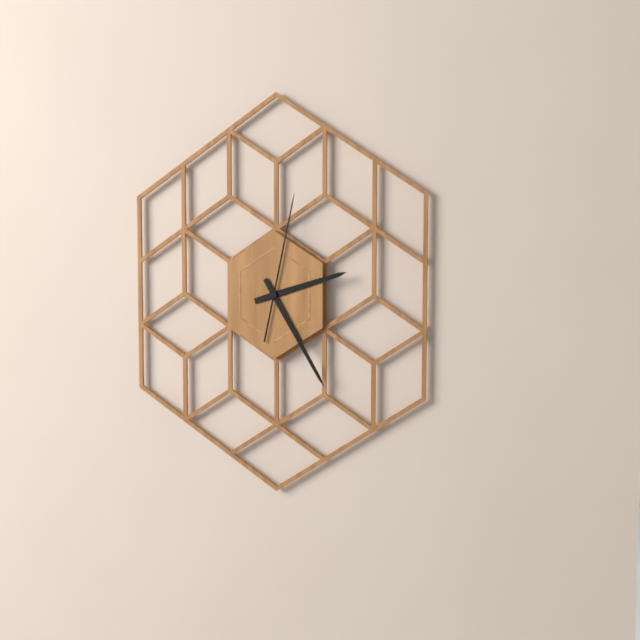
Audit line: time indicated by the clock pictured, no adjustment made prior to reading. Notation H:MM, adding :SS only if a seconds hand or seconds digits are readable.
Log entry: 2:25:02
